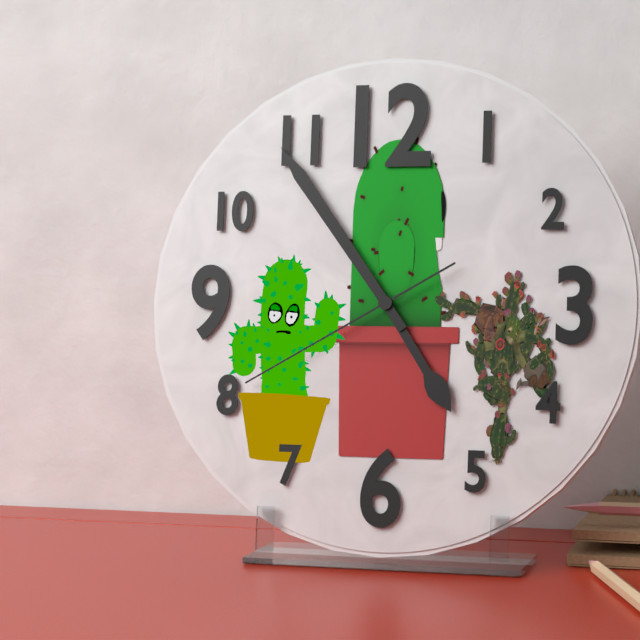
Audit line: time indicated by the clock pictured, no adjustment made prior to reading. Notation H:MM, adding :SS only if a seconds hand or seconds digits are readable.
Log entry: 4:54:40
